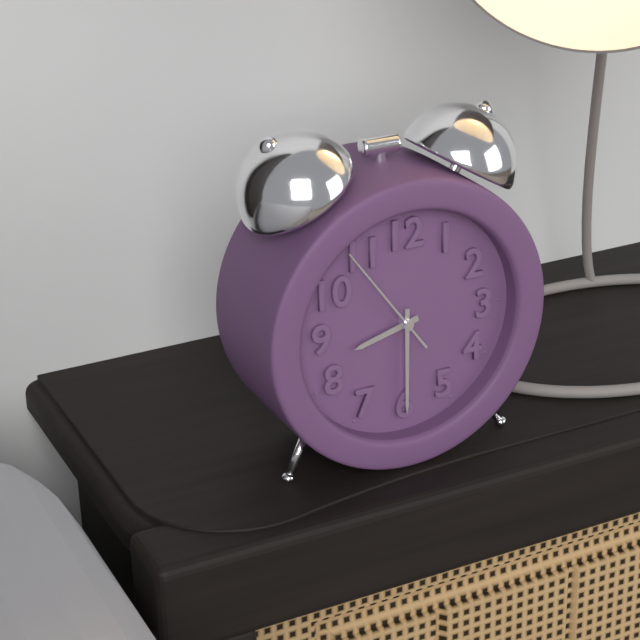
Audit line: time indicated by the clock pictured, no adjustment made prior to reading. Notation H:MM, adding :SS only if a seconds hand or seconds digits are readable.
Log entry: 8:30:54
